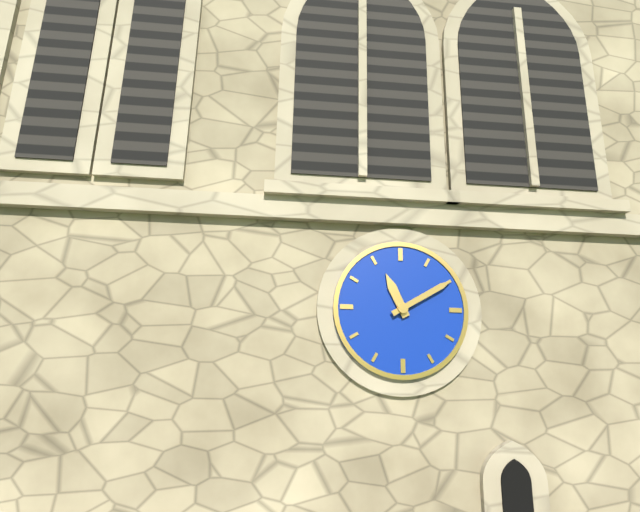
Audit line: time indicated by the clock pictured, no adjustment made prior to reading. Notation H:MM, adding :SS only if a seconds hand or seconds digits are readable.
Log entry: 11:10
